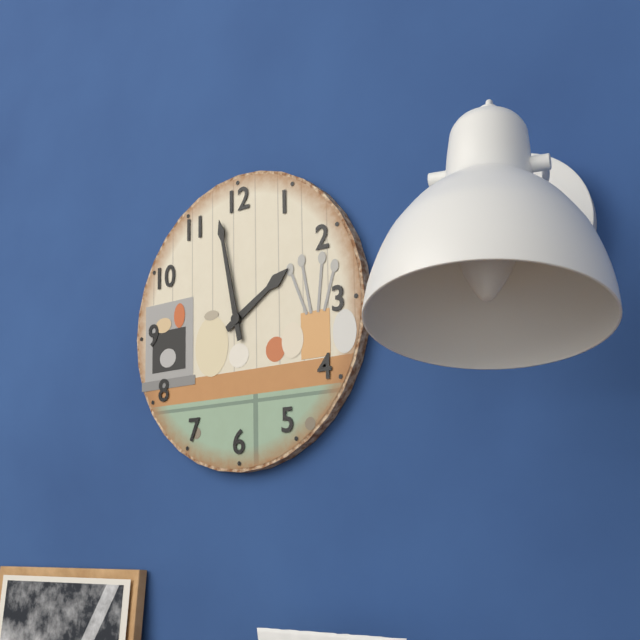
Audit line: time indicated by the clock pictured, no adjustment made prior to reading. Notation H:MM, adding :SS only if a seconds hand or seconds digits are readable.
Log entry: 1:58
